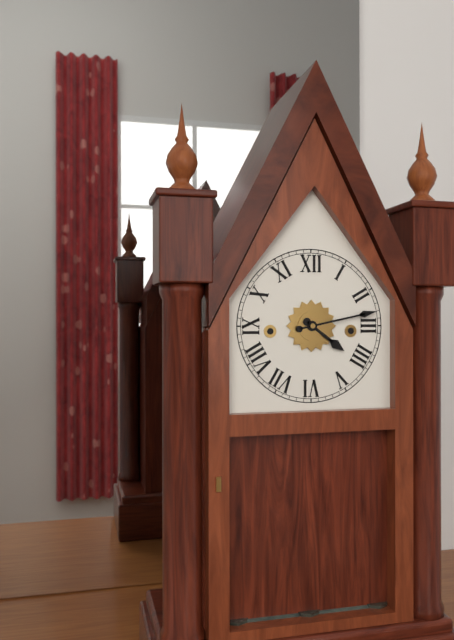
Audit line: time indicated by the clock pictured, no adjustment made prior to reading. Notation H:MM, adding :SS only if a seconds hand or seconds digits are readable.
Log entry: 4:13
